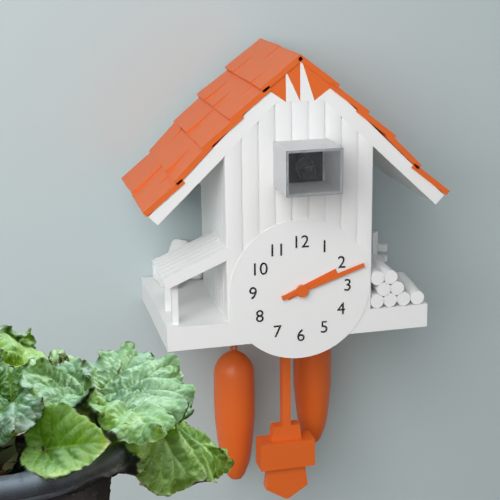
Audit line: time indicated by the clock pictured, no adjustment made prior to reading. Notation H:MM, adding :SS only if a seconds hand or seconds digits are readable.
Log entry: 2:12
